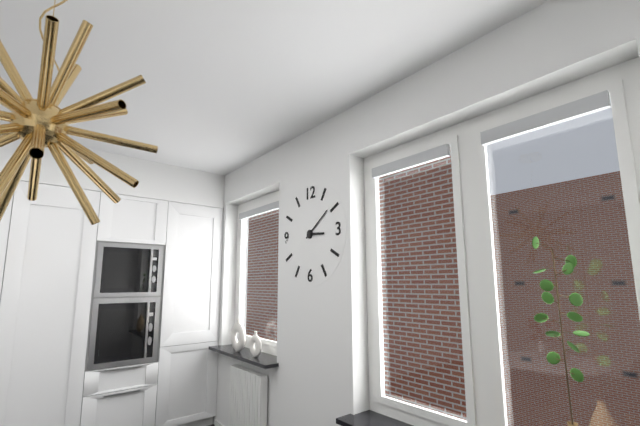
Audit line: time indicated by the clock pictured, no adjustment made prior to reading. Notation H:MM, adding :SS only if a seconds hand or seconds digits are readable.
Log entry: 3:09
